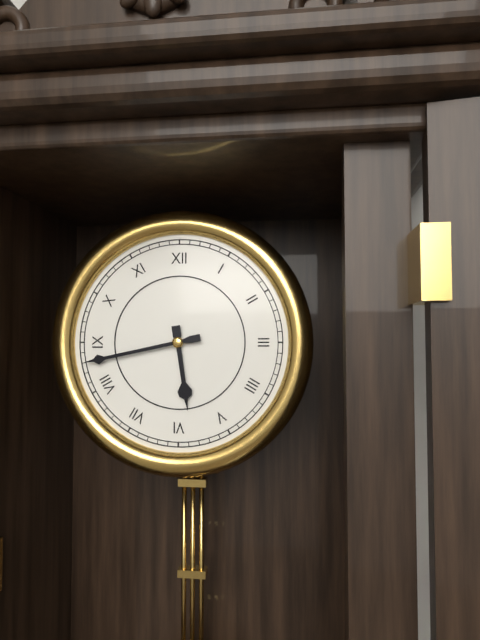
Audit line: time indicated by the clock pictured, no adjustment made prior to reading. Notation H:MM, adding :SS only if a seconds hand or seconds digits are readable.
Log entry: 5:43
